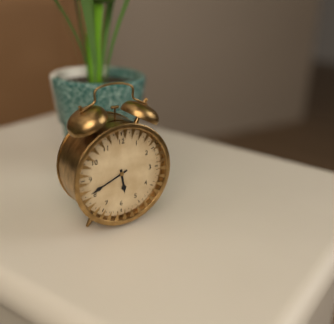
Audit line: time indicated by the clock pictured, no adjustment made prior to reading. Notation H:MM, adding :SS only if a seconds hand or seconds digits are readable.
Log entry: 5:41
